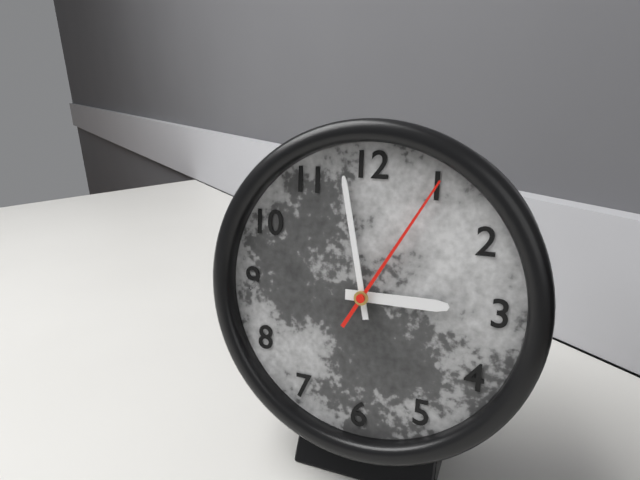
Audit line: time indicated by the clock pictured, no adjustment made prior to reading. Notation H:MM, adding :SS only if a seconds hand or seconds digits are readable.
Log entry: 2:58:05
